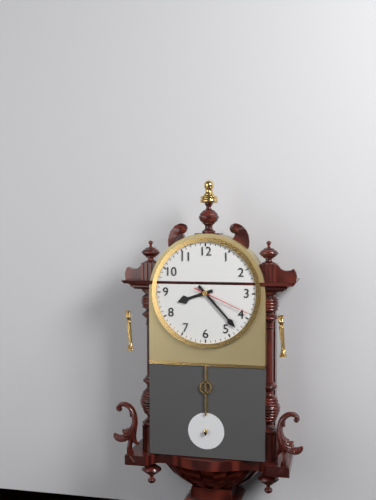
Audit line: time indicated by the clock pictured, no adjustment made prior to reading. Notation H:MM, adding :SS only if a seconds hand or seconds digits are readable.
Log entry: 8:23:19
